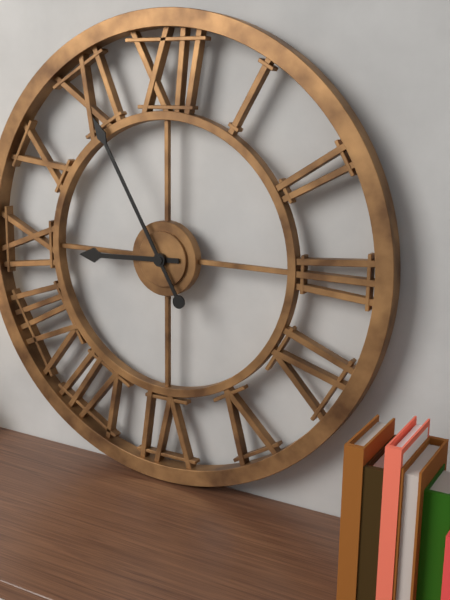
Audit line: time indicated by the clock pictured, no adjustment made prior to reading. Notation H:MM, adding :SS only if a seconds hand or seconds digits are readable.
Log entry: 8:55
